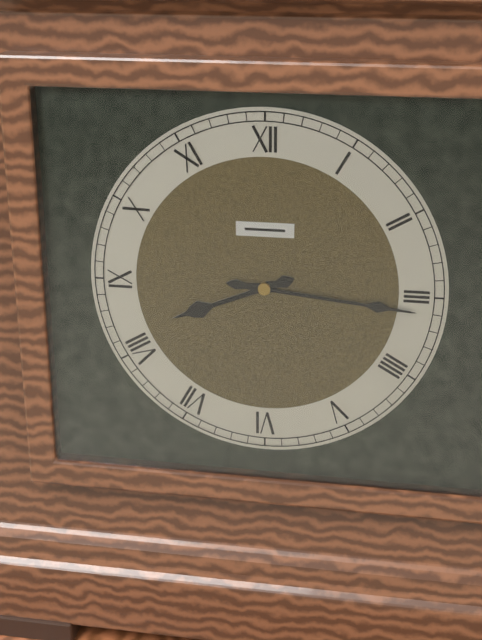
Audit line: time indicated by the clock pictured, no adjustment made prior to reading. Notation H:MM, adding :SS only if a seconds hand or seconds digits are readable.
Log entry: 8:16
